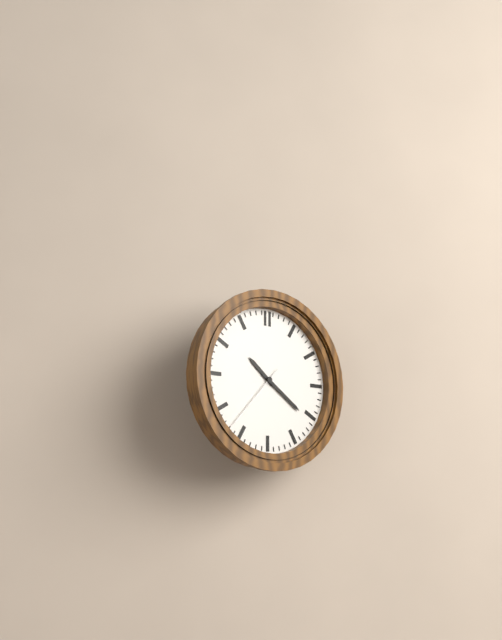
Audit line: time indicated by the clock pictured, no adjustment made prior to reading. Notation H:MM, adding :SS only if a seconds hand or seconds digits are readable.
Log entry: 10:21:37
